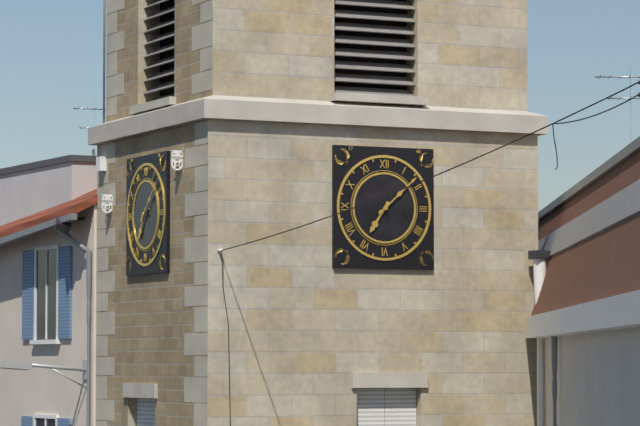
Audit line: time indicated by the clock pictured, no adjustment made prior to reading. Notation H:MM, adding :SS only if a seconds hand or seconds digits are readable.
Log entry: 7:08
